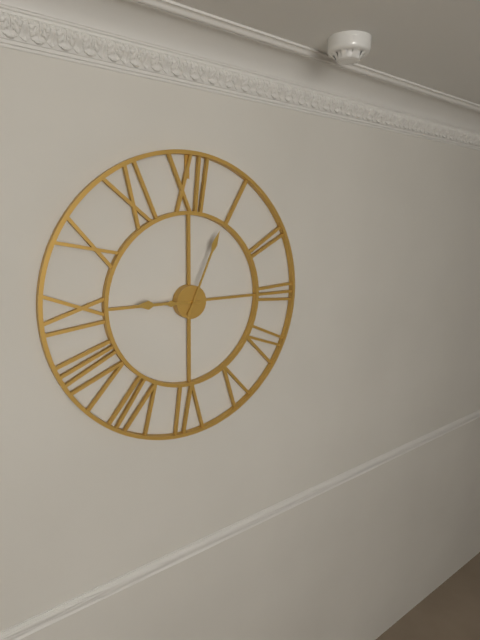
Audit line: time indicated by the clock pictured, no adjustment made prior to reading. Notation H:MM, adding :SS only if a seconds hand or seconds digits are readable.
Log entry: 9:04
